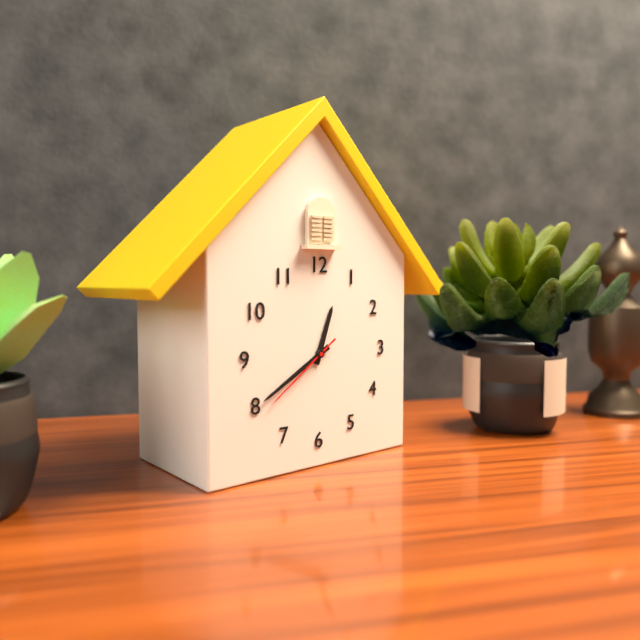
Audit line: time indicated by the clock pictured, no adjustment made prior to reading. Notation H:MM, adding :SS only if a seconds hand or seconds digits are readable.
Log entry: 12:40:39
